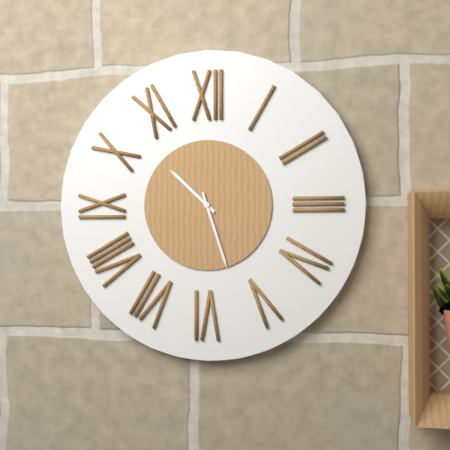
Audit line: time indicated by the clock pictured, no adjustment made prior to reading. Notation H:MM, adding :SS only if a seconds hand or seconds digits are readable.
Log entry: 10:27
